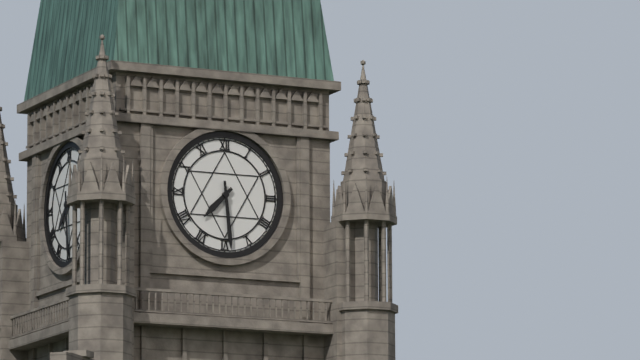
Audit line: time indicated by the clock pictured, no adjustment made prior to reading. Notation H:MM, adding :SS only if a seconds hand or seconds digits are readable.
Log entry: 7:29
